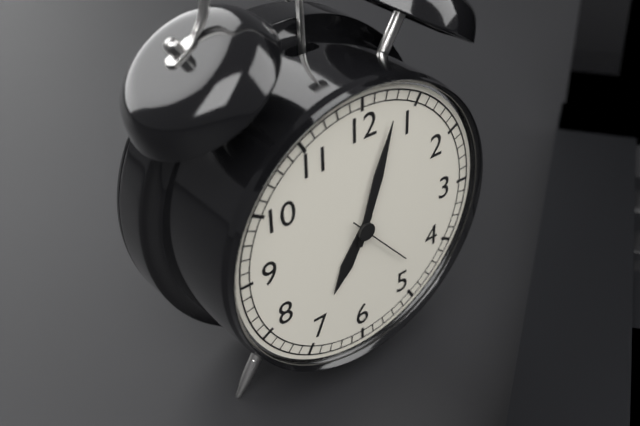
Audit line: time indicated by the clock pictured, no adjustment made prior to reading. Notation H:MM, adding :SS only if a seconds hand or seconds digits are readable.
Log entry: 7:03:23
